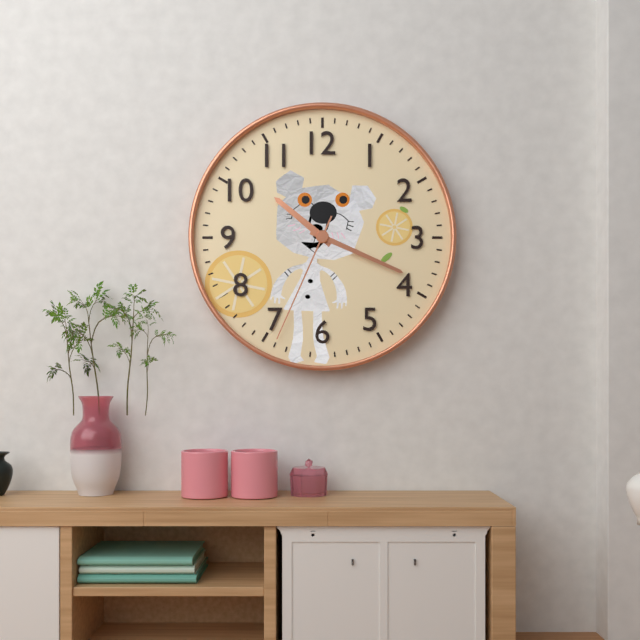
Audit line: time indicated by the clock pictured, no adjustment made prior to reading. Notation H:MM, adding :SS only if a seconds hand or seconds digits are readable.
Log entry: 10:19:34
